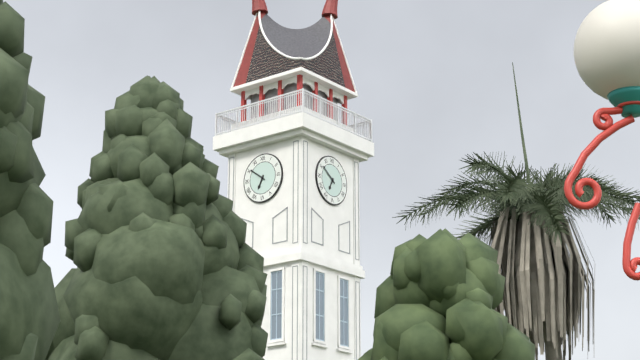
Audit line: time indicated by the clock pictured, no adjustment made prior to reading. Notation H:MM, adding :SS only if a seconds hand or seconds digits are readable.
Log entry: 6:51
